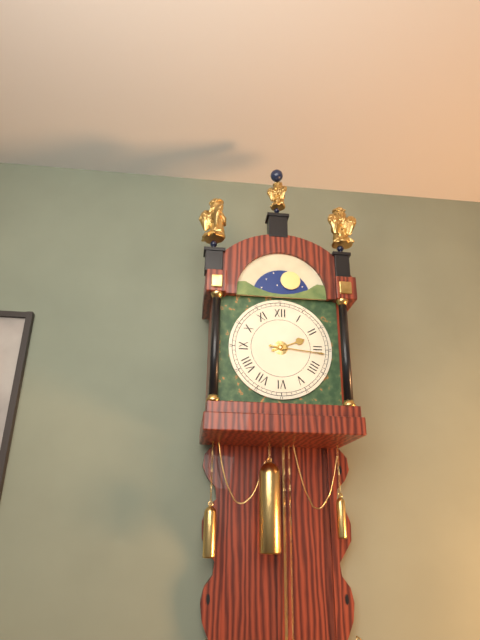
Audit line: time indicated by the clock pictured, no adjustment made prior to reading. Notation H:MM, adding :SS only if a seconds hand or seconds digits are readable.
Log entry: 2:16
